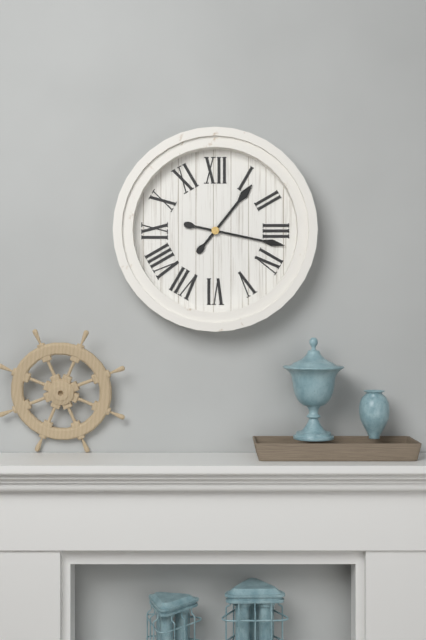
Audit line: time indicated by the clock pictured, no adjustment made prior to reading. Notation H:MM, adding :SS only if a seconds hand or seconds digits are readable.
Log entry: 1:17
